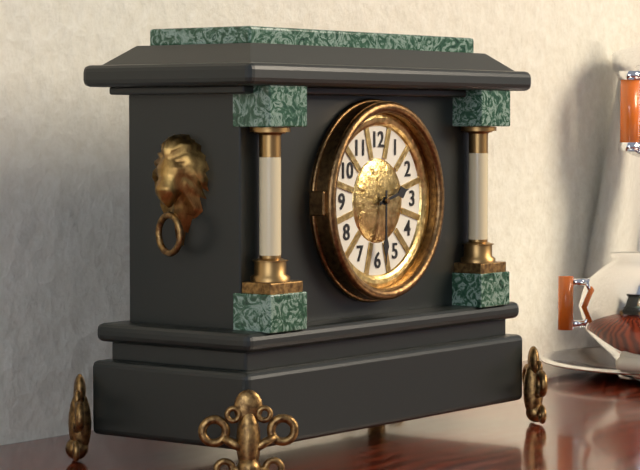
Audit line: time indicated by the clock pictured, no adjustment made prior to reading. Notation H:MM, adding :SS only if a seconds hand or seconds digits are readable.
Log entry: 2:30
